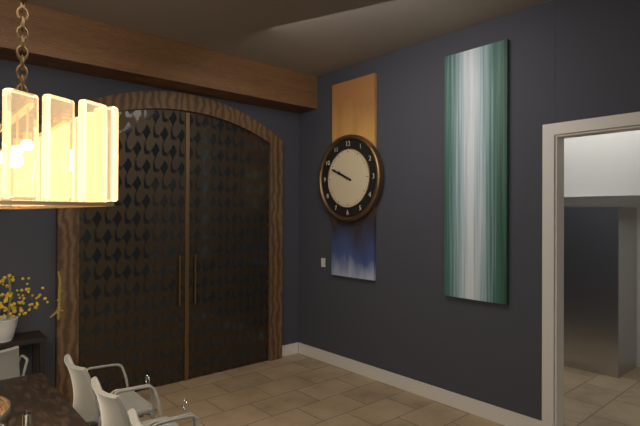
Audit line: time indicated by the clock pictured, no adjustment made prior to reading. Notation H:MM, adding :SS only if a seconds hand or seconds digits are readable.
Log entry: 9:49
